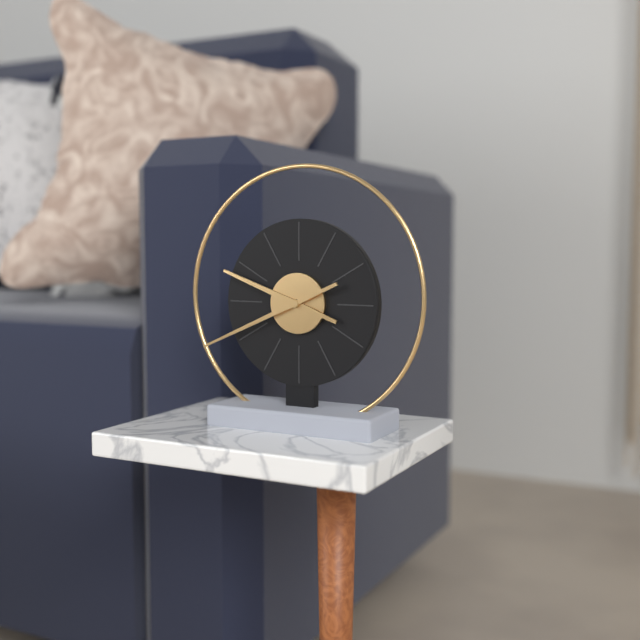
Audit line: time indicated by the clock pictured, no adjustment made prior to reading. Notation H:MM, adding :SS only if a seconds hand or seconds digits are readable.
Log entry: 9:41
